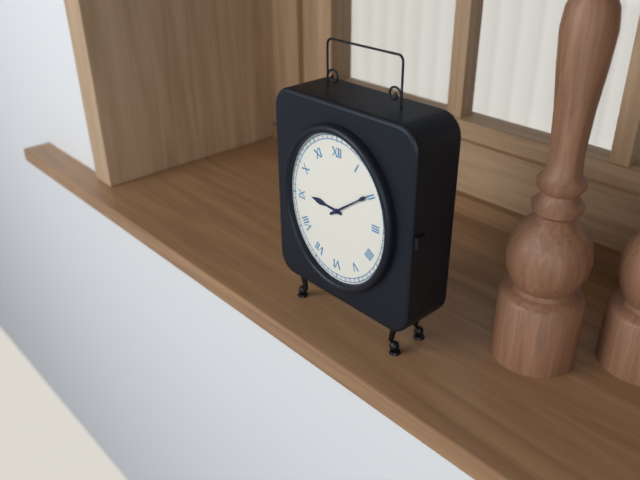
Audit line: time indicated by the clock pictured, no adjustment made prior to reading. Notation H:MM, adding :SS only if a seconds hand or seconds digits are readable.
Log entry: 9:09
